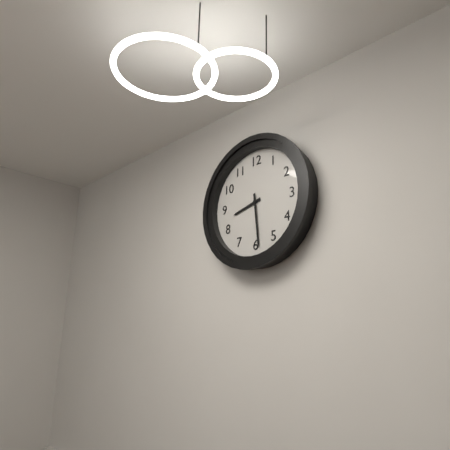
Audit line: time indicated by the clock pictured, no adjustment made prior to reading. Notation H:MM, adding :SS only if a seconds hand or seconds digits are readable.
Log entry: 8:29
